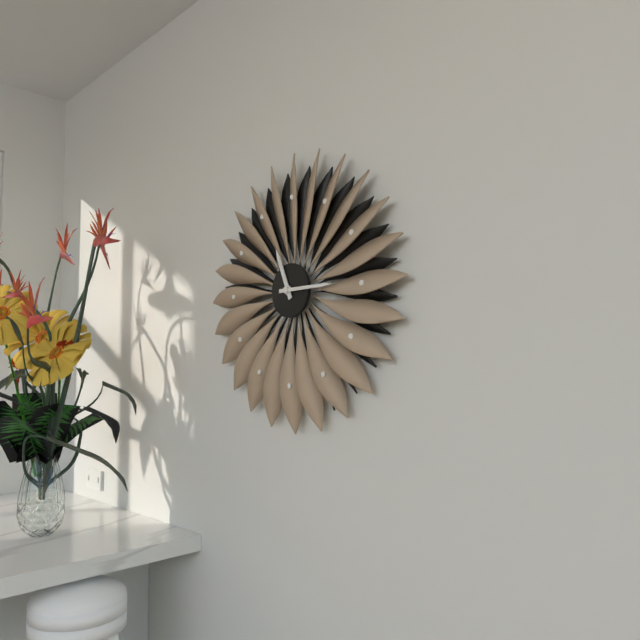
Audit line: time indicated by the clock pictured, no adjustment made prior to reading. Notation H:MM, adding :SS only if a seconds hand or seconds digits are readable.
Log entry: 11:15
